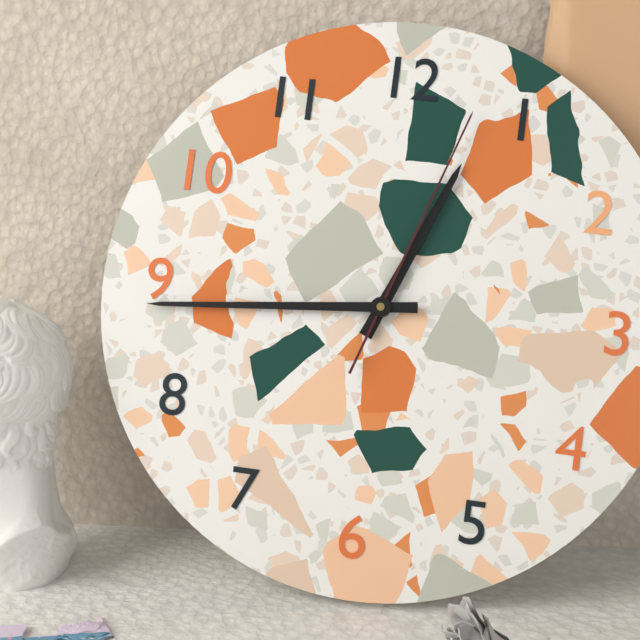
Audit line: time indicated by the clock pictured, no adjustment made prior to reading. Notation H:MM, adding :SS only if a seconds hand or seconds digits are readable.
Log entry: 12:44:03
